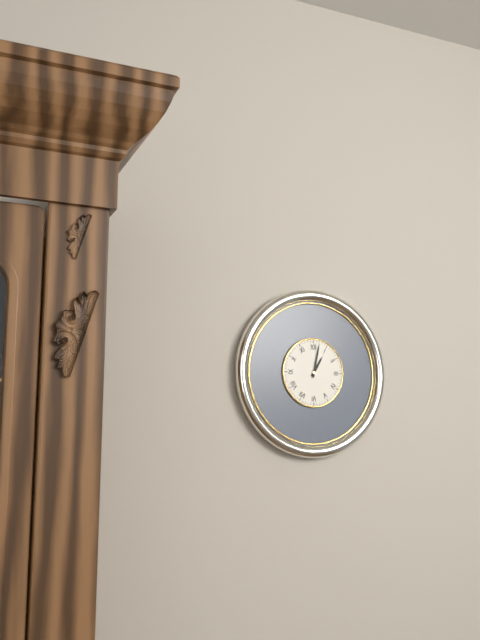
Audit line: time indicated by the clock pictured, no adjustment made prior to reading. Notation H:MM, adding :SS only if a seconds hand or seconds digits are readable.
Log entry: 1:02
